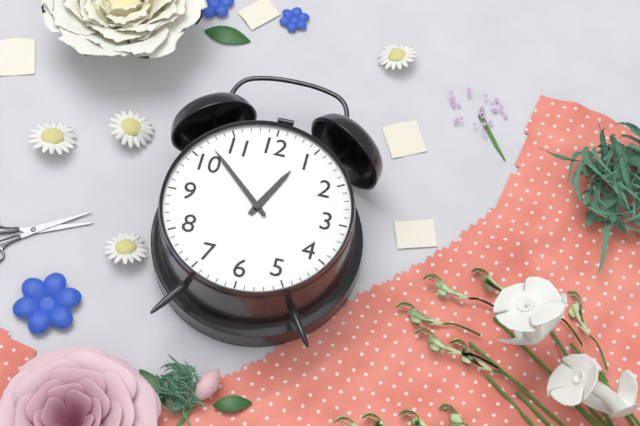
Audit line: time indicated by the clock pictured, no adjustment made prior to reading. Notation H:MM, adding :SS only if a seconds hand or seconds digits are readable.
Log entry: 12:52
